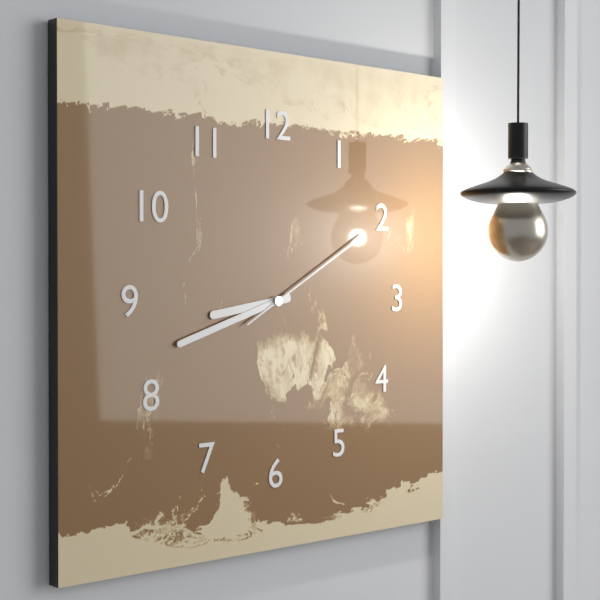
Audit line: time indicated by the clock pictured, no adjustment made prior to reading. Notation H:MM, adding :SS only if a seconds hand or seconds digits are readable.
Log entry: 8:42:10
